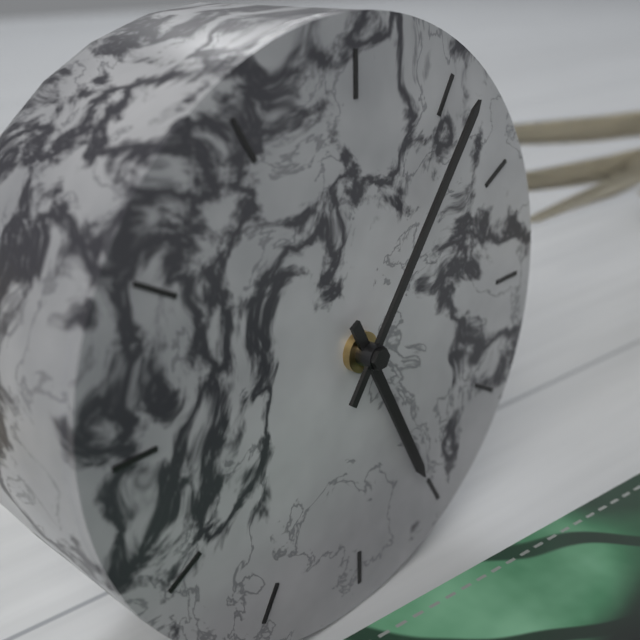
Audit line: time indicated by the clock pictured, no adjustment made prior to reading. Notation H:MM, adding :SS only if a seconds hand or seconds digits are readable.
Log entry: 5:06
